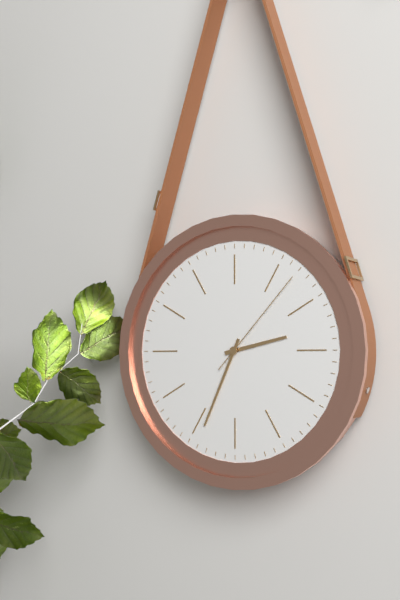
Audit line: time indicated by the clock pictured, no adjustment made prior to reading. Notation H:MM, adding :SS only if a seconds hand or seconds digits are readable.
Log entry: 2:34:07
